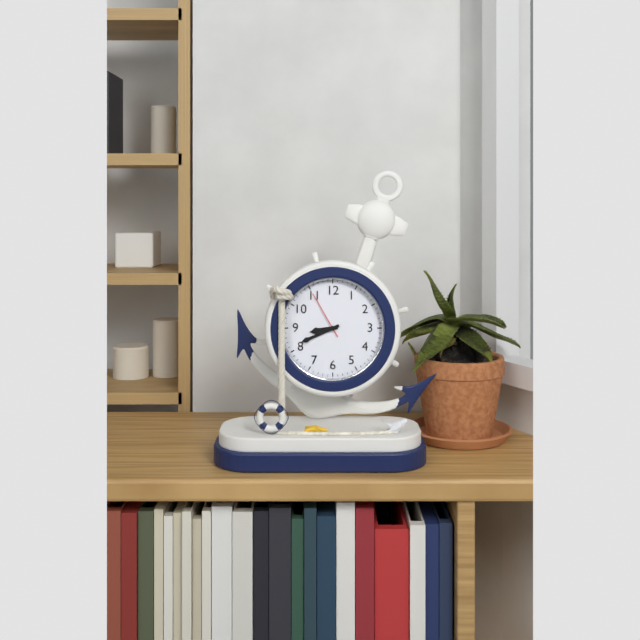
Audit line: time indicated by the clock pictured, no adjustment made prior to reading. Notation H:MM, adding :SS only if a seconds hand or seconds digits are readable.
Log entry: 8:41
